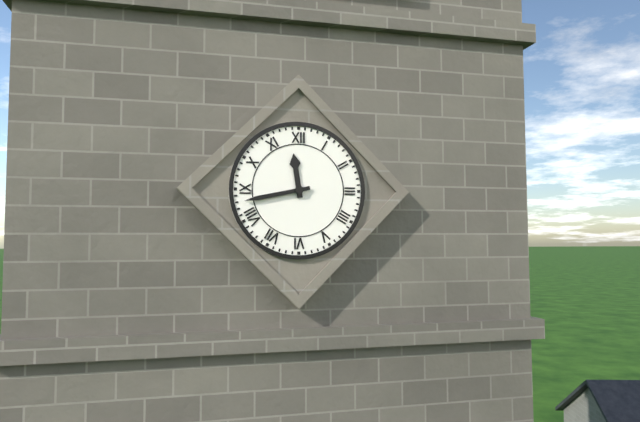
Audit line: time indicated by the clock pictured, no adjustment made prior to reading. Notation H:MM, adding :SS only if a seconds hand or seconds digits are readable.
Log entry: 11:43
